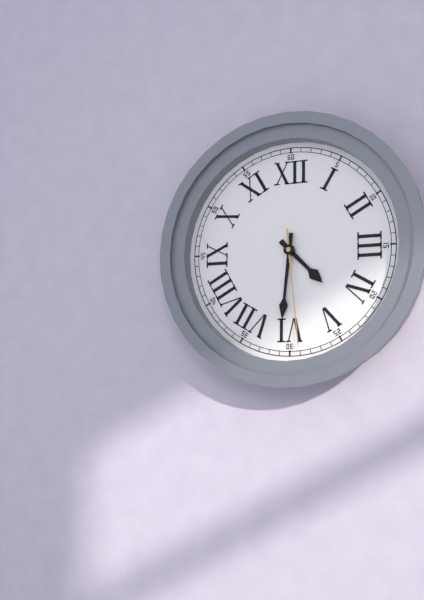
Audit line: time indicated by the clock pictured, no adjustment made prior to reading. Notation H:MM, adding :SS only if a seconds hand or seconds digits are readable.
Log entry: 4:31:29
